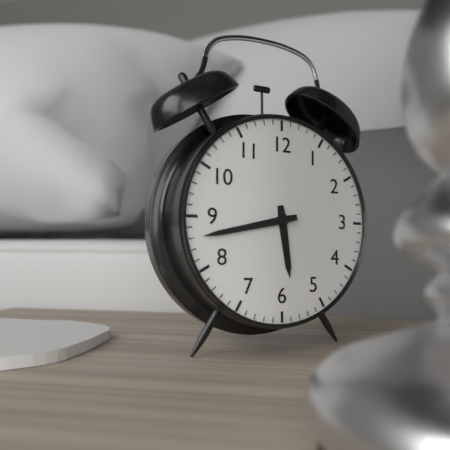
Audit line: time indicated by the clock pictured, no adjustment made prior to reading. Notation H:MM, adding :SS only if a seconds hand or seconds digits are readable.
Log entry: 5:43
